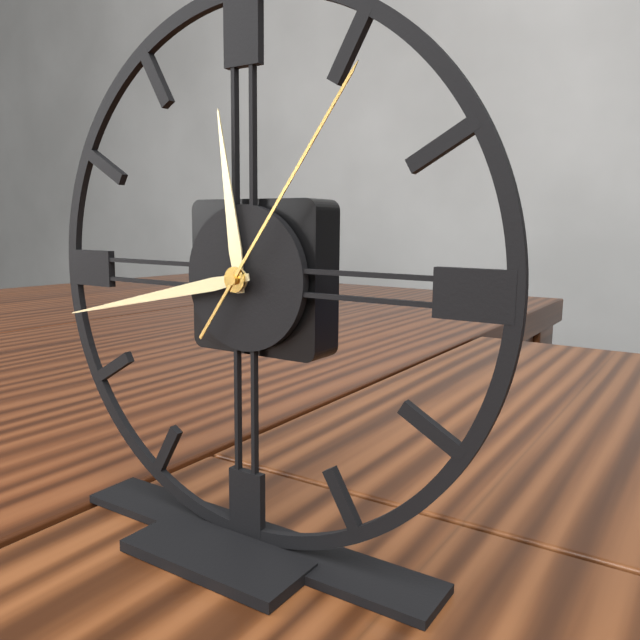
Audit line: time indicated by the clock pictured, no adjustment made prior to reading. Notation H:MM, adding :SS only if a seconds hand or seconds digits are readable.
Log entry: 11:43:06
